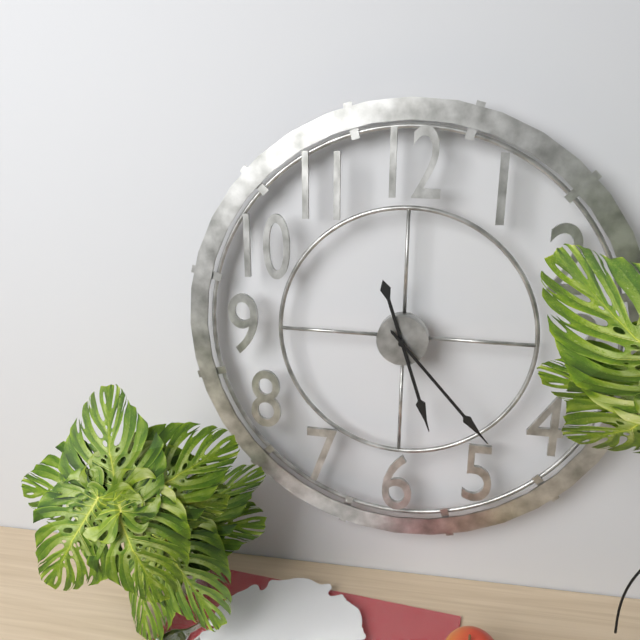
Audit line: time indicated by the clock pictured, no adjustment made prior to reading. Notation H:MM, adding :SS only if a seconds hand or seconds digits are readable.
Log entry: 5:23
